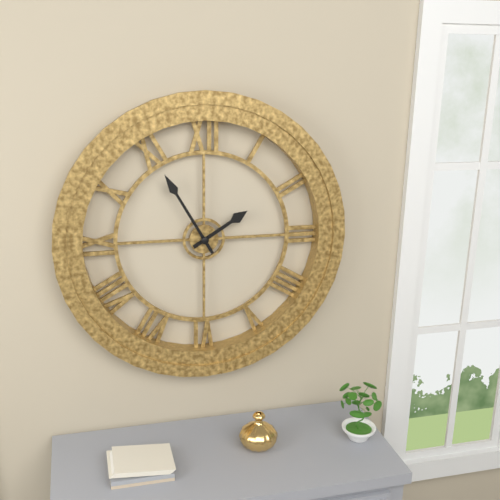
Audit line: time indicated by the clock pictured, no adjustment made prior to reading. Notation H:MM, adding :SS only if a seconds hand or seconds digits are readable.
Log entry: 1:55
